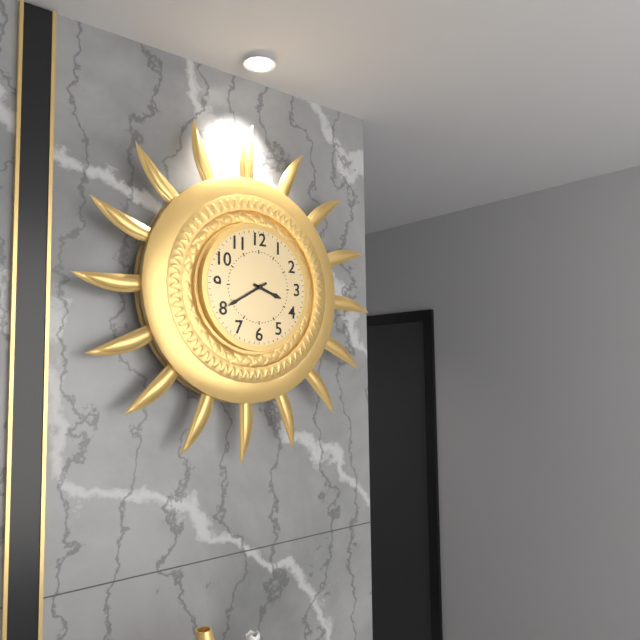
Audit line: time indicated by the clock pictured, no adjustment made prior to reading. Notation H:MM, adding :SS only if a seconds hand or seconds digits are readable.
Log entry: 3:40
